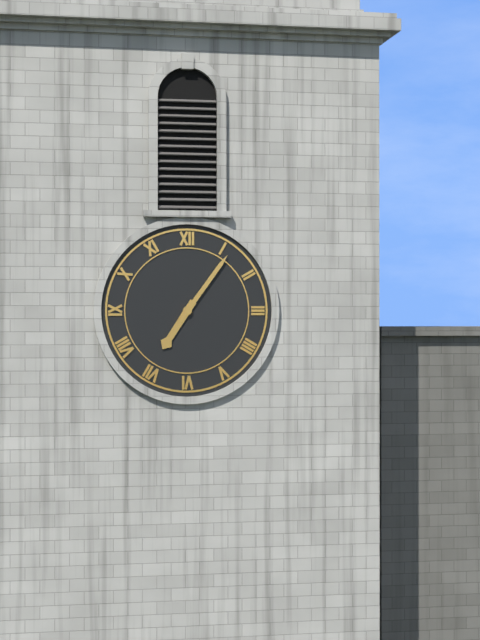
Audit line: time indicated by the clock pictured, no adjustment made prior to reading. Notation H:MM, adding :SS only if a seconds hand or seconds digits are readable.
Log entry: 7:06
